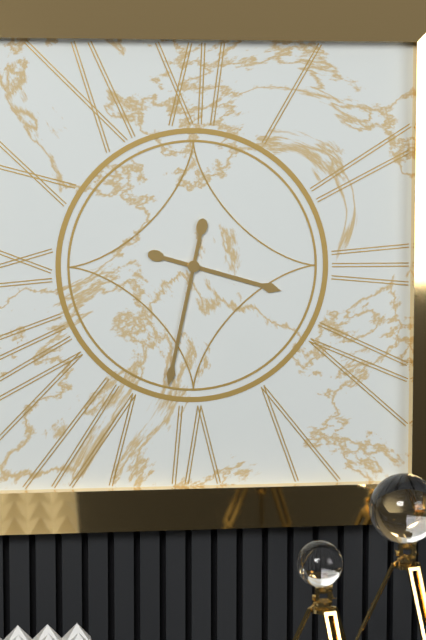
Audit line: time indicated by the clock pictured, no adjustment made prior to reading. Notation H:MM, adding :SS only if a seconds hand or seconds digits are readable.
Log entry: 3:32
